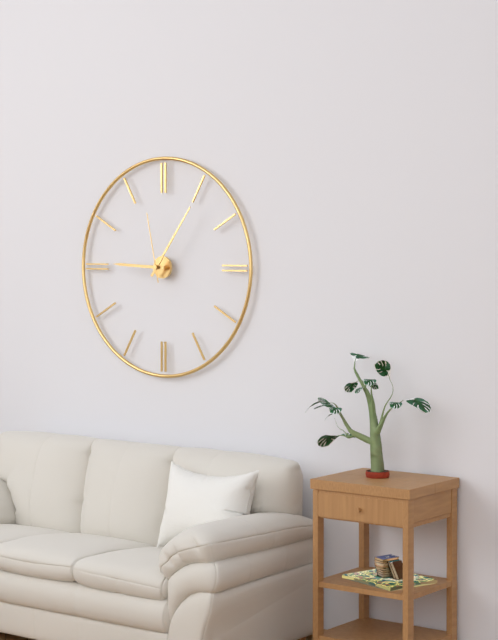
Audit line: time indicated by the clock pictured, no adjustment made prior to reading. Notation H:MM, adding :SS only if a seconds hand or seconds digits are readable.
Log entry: 9:06:58
